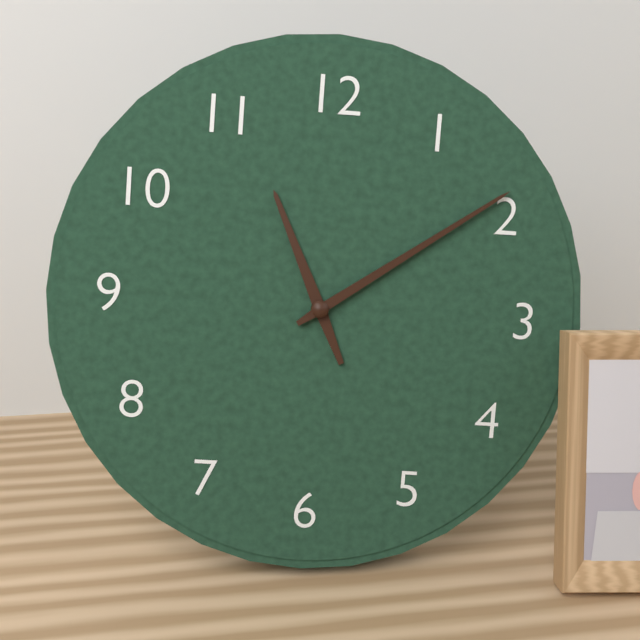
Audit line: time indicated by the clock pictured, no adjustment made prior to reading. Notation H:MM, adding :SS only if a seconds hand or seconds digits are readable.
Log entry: 11:09
